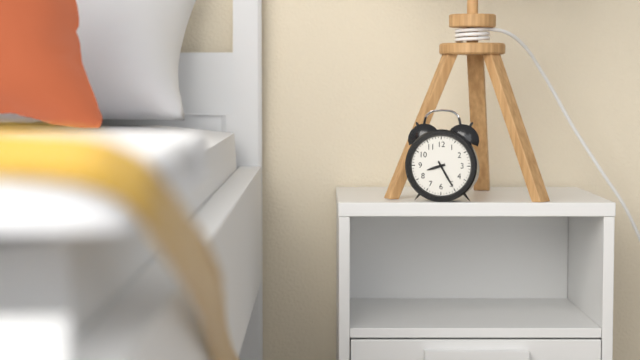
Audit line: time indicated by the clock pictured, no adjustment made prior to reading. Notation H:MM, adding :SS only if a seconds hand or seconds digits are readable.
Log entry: 8:25
